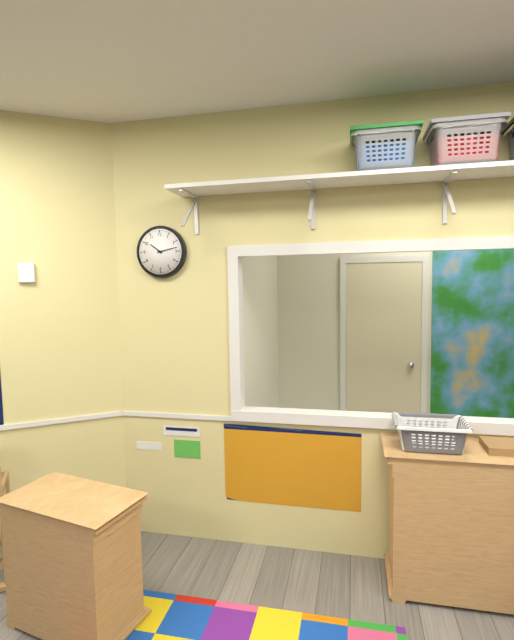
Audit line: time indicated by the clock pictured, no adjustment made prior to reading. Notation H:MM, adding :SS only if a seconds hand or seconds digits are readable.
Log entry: 10:13
